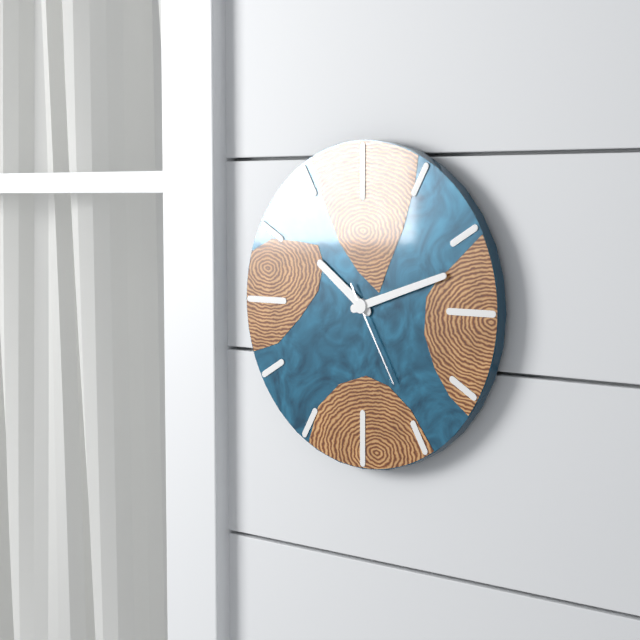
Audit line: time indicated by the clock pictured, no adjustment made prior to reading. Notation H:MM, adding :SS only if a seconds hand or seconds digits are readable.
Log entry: 10:12:25
